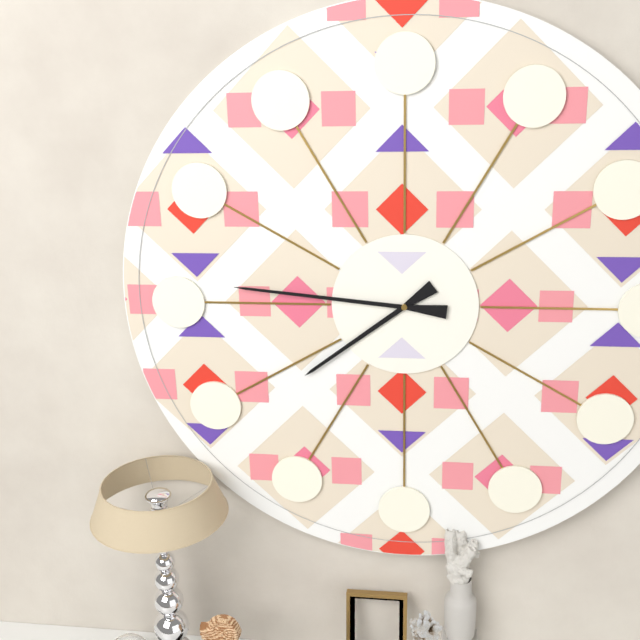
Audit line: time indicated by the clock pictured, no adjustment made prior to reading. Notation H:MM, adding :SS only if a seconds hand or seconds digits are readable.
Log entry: 7:46
